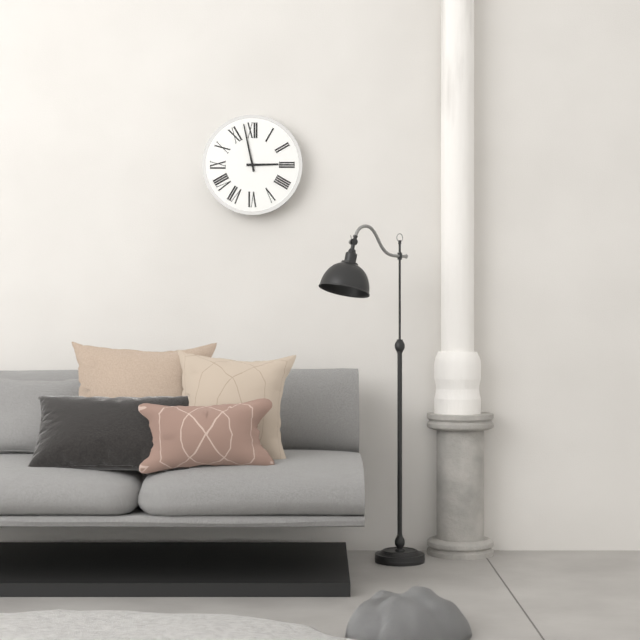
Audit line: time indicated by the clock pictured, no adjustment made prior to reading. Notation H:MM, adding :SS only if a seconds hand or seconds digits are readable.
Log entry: 2:58
